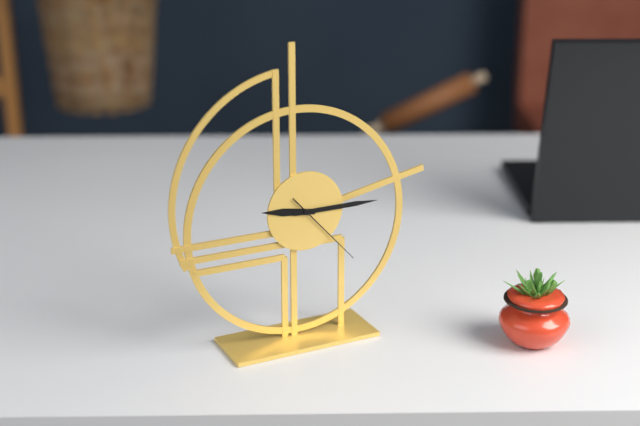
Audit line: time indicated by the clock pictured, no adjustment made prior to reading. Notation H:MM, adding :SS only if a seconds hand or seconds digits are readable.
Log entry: 9:15:23
